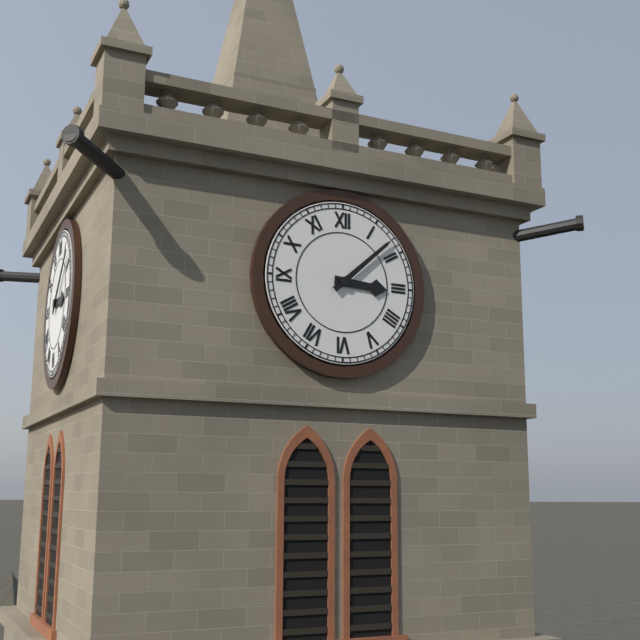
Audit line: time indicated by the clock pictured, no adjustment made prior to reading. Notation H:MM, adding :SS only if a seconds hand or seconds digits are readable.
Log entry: 3:08
